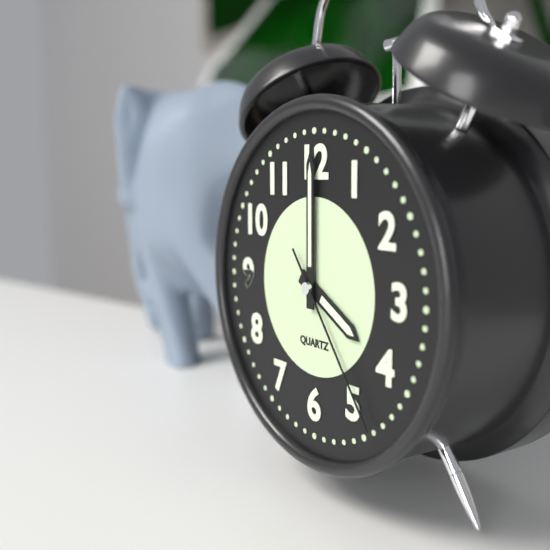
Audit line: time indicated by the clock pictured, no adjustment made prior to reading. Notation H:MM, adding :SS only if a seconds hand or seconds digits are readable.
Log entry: 4:00:24
